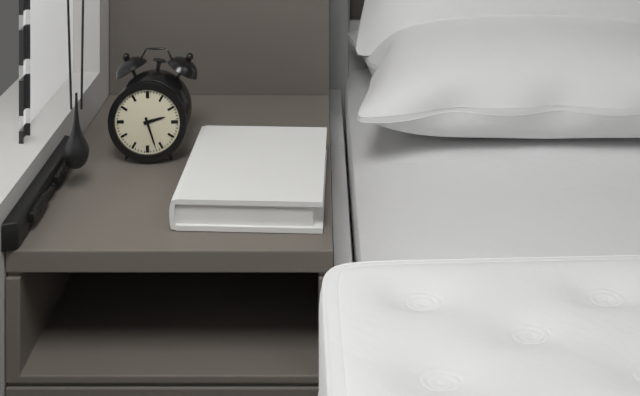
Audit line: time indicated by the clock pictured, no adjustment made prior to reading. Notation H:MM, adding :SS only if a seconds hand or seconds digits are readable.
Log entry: 2:27
